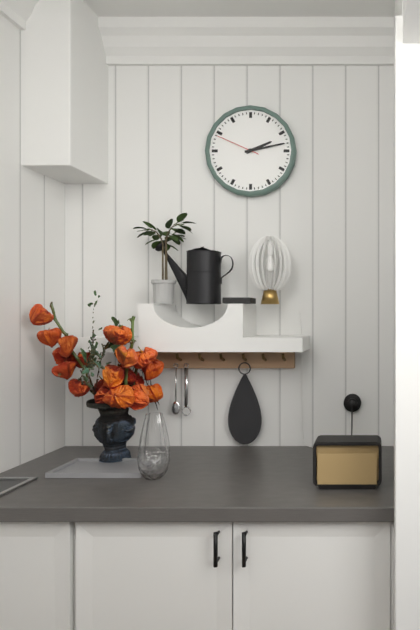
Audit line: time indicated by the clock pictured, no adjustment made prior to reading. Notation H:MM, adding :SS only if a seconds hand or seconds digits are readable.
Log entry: 2:13
